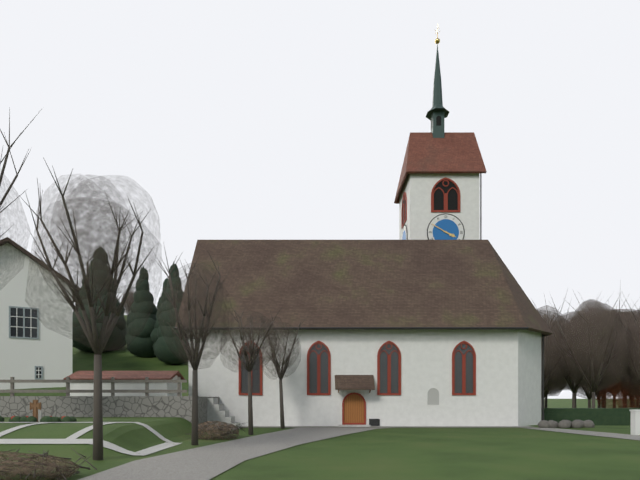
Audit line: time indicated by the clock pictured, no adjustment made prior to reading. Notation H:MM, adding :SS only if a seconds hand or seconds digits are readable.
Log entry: 3:50
